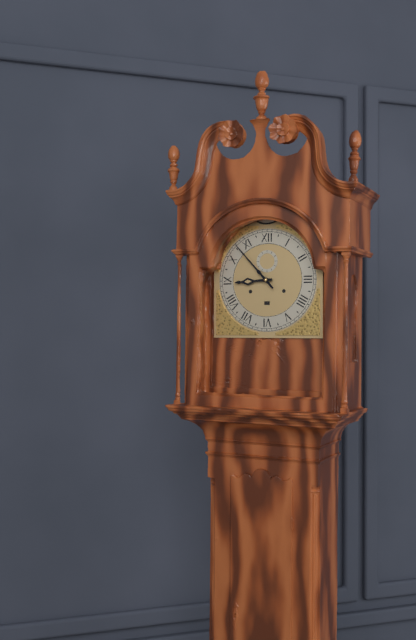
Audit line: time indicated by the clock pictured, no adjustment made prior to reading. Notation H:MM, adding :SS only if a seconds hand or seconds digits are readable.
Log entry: 8:53
